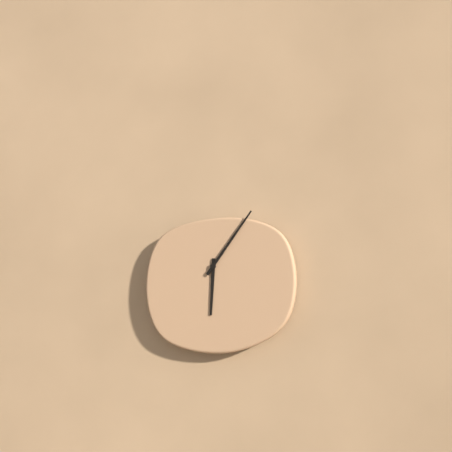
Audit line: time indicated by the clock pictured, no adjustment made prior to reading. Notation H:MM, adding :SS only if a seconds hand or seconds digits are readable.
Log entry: 6:06
